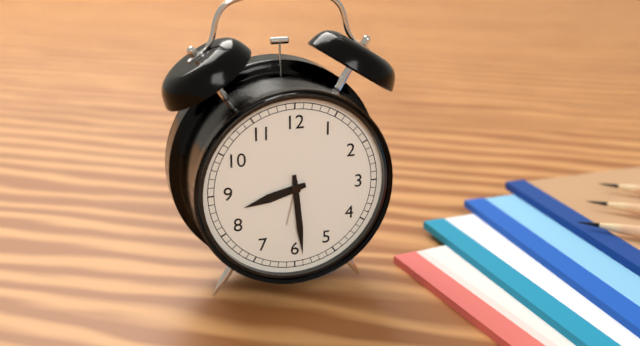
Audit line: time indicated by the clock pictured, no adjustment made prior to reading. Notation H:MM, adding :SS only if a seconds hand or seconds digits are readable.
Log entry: 8:29
